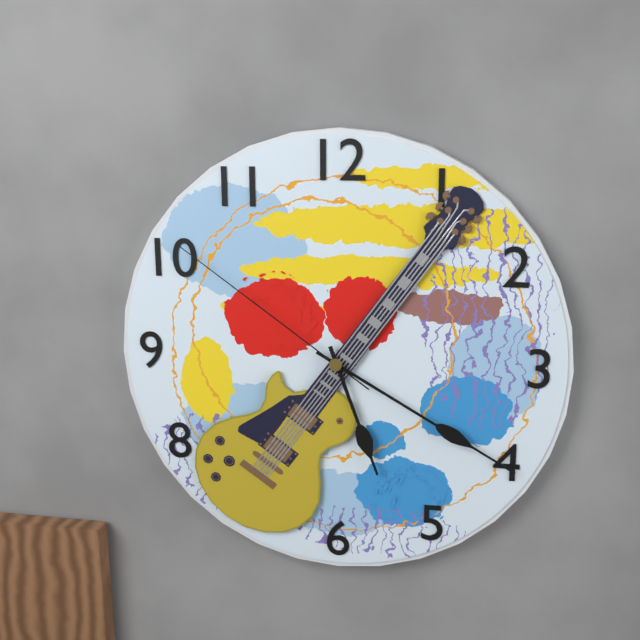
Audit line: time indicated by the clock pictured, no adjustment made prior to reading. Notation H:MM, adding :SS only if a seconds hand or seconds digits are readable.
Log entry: 5:20:51
